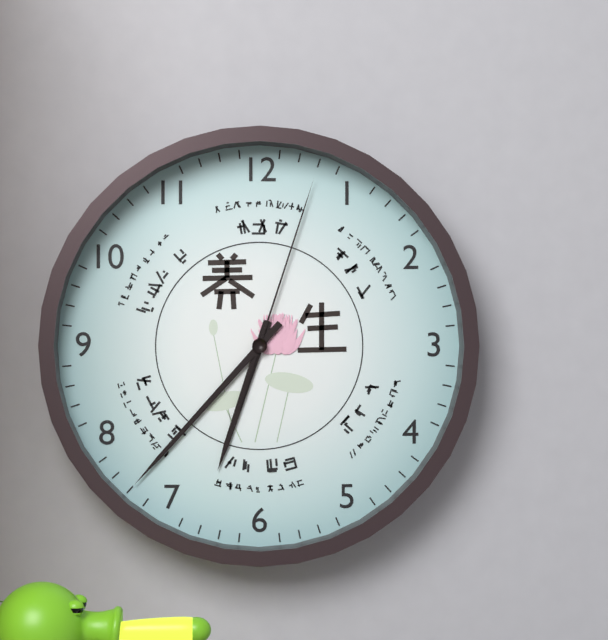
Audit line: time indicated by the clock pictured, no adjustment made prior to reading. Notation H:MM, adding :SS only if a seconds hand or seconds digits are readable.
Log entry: 6:37:03
